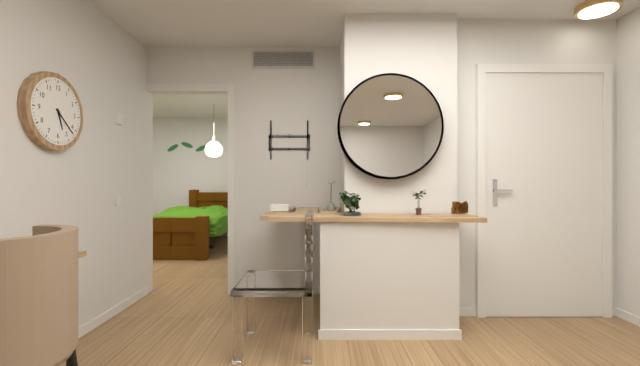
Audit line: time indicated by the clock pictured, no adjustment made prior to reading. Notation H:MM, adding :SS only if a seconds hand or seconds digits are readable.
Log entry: 5:22
